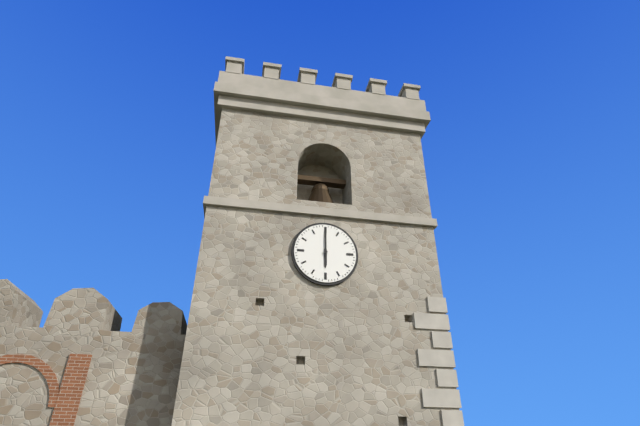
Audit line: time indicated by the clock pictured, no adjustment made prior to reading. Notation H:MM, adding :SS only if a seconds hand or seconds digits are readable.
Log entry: 6:00
